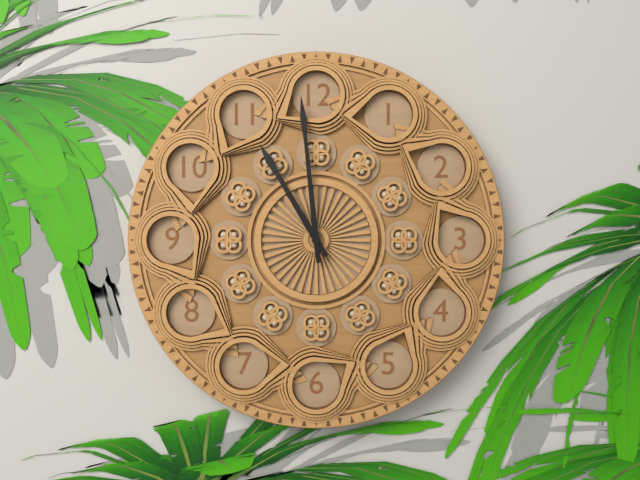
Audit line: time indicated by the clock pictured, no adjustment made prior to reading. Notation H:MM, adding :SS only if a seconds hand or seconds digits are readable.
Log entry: 10:59
